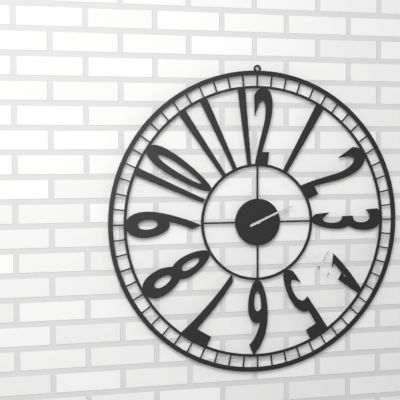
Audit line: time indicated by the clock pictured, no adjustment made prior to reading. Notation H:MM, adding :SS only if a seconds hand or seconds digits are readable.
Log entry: 2:11
